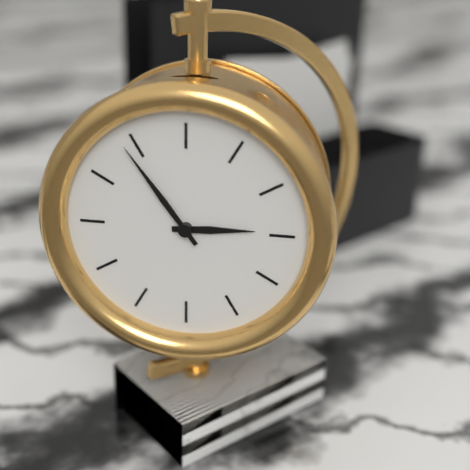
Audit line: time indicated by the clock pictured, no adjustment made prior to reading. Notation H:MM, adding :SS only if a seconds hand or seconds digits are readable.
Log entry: 2:54
